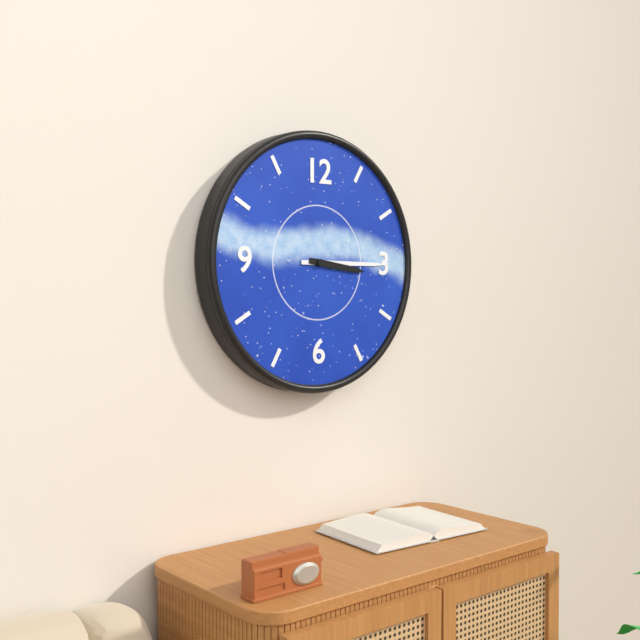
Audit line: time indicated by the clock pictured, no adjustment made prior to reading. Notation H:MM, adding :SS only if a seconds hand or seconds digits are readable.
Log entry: 3:15
